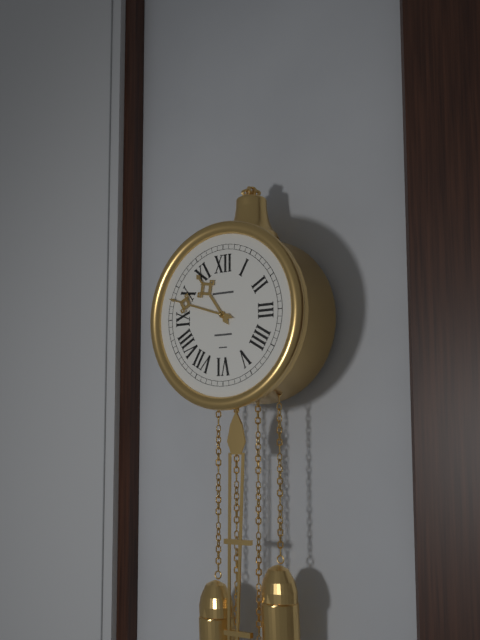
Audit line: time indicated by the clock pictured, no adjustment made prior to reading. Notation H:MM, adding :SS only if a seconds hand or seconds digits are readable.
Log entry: 10:48
